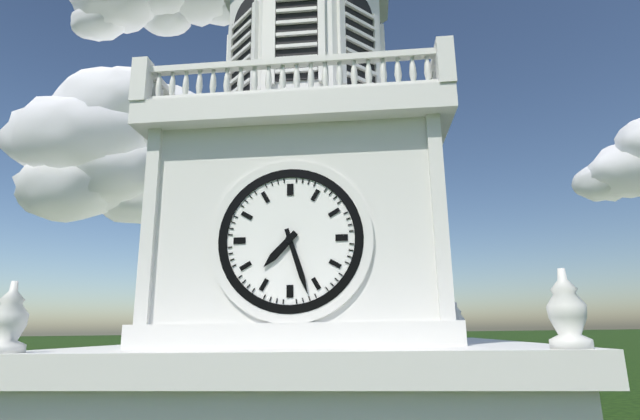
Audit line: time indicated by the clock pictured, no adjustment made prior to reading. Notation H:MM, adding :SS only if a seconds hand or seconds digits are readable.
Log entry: 7:27
